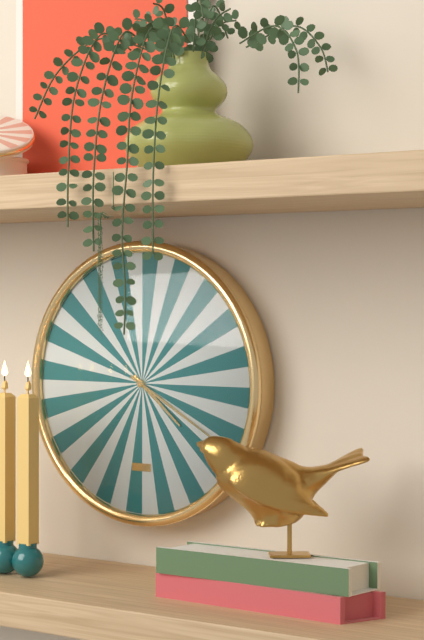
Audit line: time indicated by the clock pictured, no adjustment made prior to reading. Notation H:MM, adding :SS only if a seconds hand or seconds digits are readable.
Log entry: 4:20
